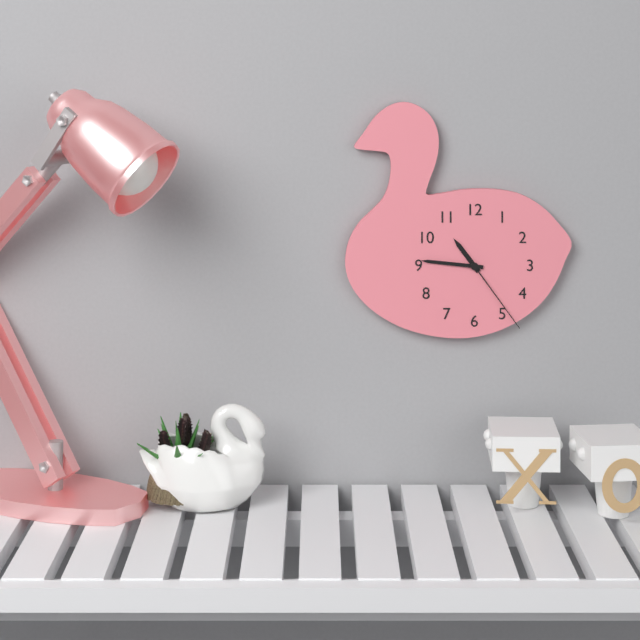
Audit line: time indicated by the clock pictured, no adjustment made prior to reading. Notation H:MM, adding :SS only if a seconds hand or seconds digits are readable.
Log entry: 10:46:24
